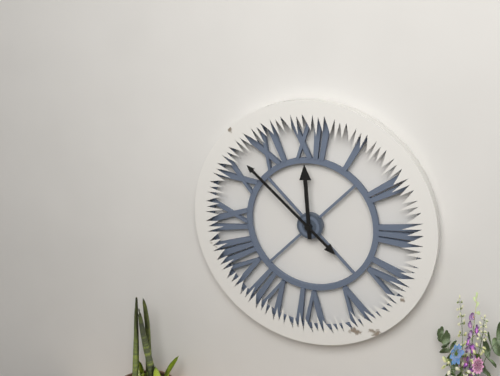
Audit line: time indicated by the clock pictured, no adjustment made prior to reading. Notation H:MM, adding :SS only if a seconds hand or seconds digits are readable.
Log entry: 11:52
